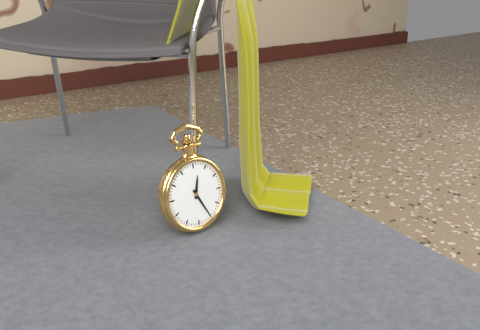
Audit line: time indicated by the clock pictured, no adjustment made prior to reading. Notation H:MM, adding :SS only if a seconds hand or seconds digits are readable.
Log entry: 12:25
